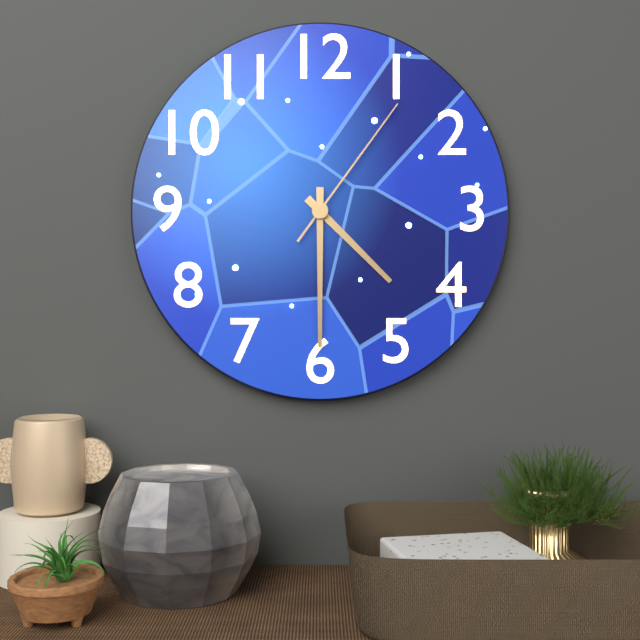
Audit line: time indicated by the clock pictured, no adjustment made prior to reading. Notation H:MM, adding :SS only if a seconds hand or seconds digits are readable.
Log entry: 4:30:06
